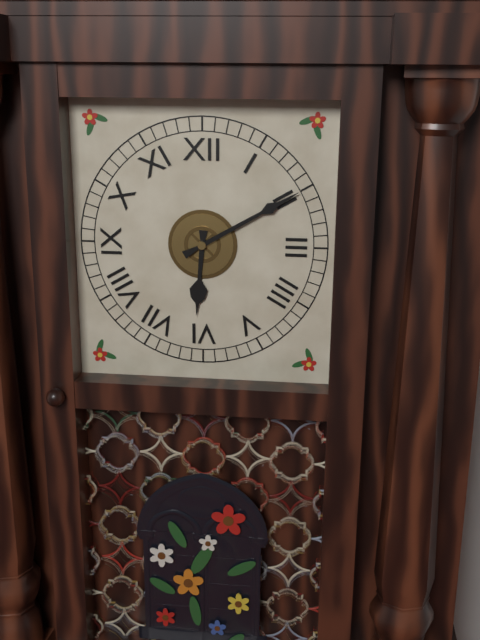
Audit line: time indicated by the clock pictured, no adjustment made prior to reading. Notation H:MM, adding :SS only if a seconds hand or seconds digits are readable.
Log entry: 6:10
